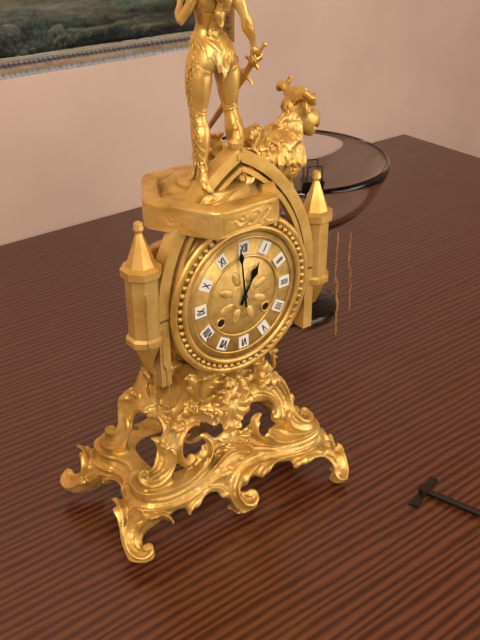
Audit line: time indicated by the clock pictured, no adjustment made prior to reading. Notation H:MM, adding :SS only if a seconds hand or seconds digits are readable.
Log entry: 12:59
